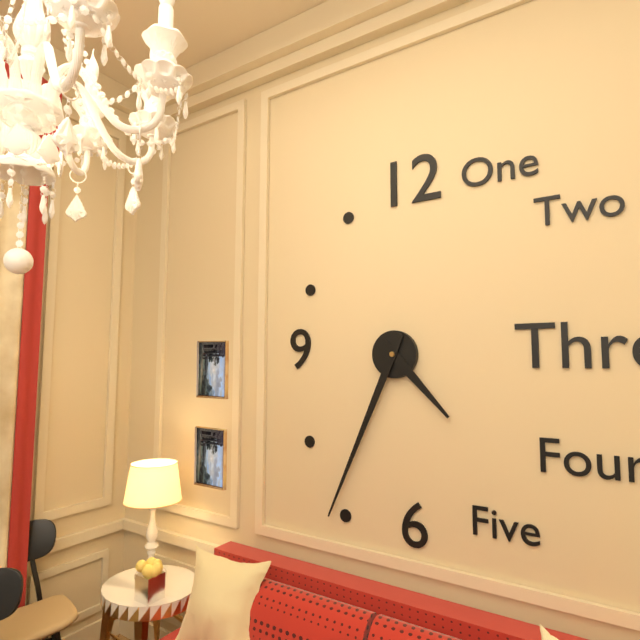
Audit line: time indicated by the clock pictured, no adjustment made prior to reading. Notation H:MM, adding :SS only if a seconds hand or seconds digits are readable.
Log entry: 4:34
